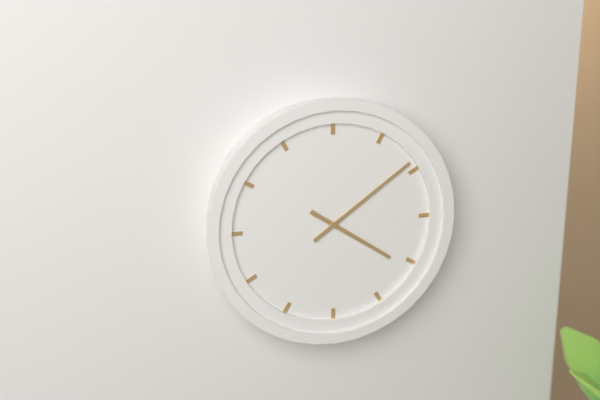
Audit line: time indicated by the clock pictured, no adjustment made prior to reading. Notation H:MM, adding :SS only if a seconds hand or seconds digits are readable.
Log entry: 4:09
